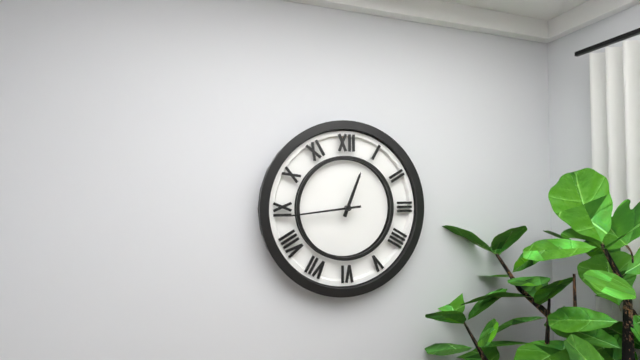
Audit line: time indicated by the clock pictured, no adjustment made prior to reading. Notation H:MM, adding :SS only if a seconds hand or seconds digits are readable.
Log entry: 12:44
